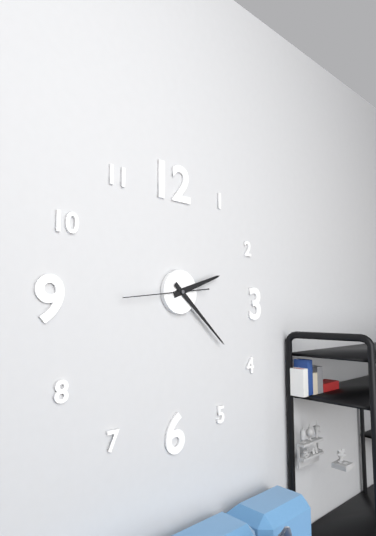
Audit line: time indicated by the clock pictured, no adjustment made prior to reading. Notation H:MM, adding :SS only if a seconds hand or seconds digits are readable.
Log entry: 2:22:44
